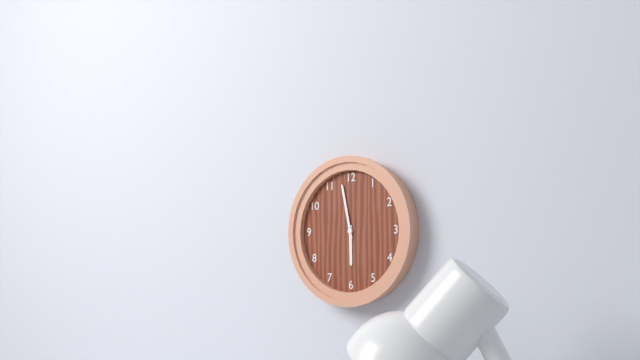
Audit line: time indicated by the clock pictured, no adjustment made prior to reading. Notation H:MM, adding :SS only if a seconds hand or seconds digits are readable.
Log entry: 5:58
